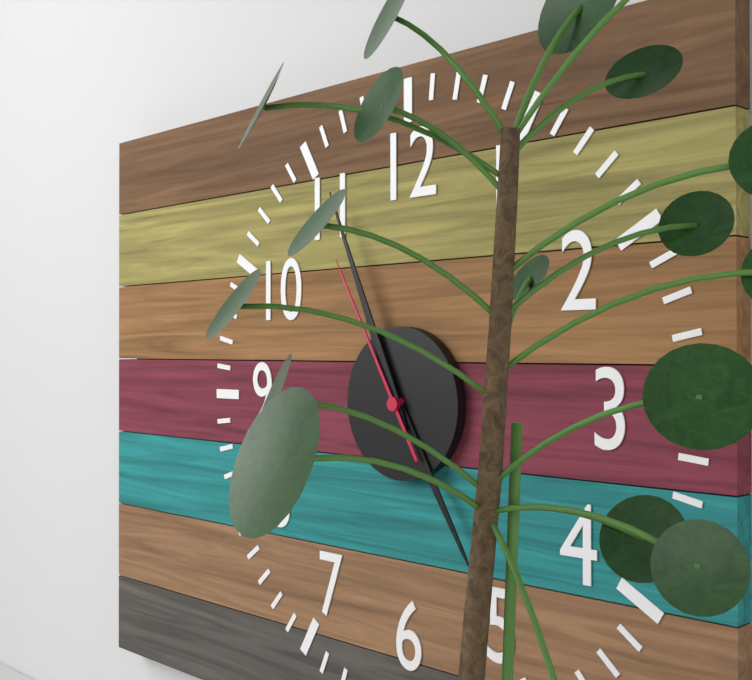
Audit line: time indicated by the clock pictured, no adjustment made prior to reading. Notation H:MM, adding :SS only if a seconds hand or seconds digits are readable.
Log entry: 4:56:55
